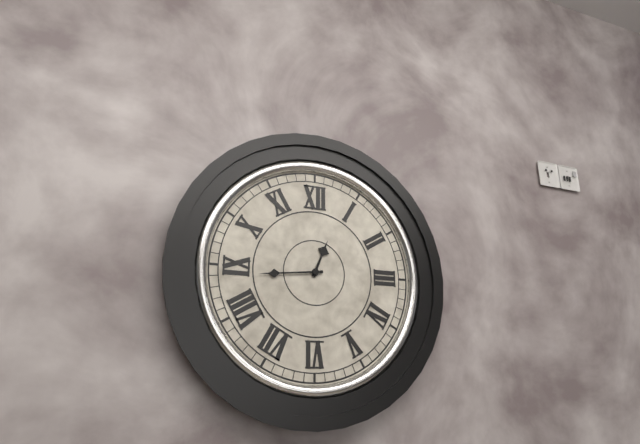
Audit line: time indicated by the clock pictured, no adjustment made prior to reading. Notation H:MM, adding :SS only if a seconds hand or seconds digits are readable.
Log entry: 12:44
